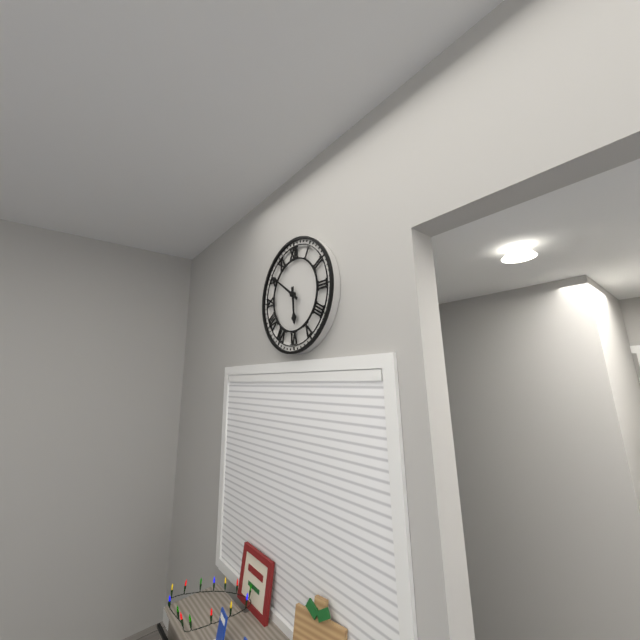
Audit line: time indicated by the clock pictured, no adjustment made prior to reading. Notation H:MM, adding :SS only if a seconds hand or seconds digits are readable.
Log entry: 5:51
